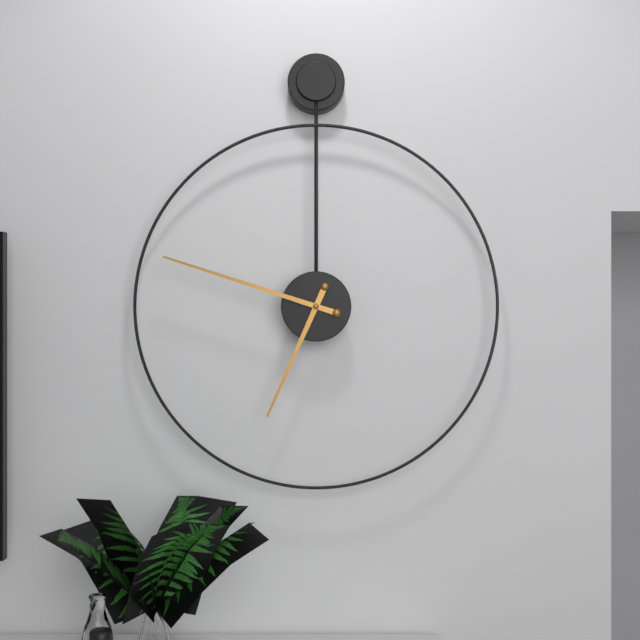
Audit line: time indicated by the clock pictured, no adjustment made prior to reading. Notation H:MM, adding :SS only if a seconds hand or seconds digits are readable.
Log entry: 6:48
